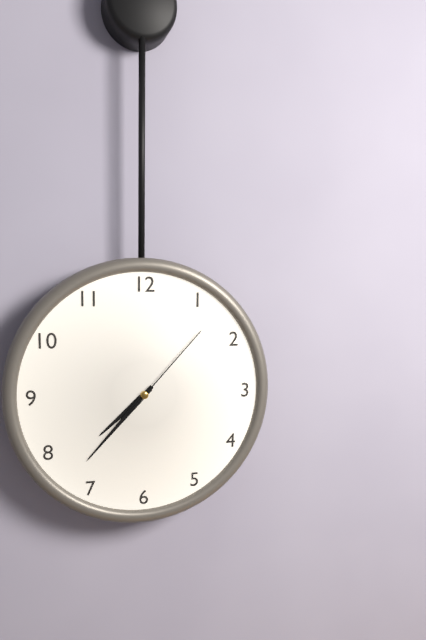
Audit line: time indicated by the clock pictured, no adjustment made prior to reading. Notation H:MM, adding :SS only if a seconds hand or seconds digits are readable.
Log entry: 7:37:07
